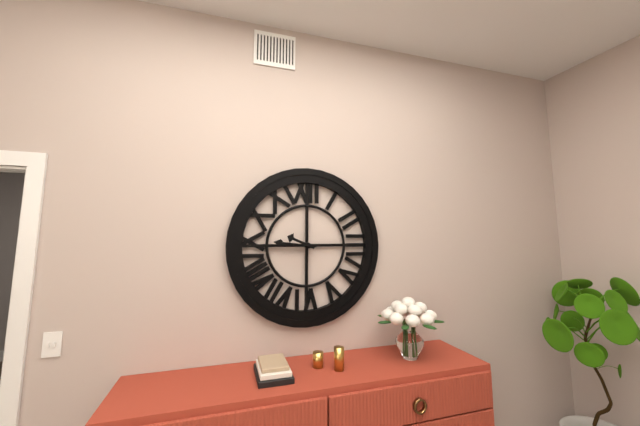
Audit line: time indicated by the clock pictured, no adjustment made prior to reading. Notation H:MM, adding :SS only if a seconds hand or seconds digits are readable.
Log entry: 9:46
